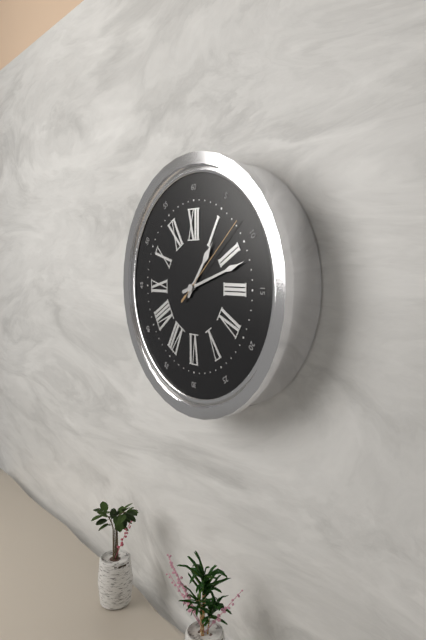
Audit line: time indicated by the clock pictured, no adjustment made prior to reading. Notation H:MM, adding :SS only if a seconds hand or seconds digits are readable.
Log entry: 1:12:08
